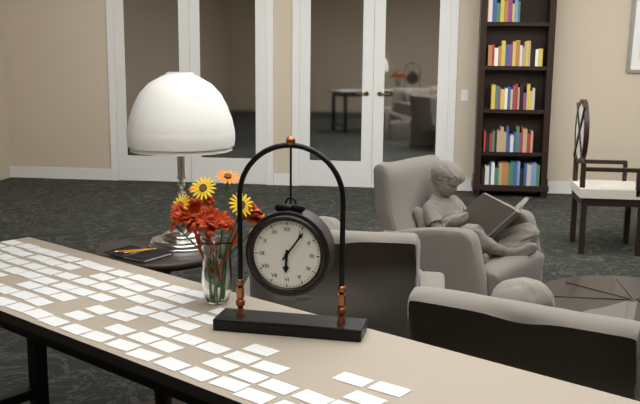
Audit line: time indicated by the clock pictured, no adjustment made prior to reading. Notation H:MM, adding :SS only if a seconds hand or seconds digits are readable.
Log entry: 6:06
